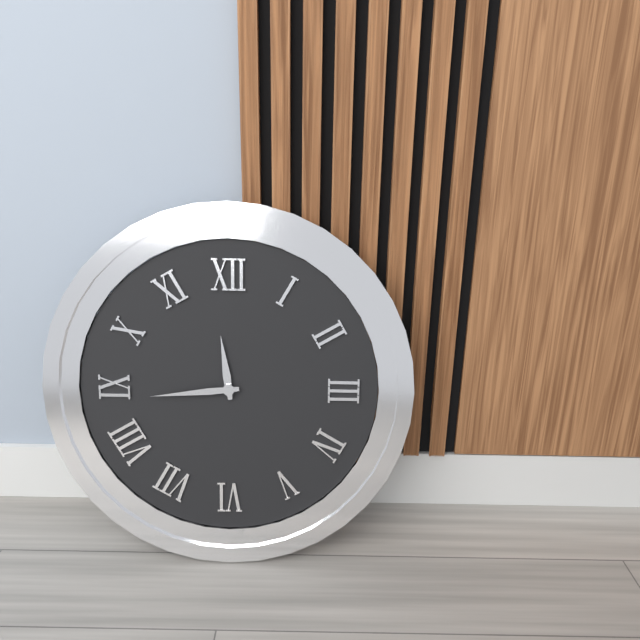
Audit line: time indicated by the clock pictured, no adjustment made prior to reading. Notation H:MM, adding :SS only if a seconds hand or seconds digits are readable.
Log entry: 11:44
